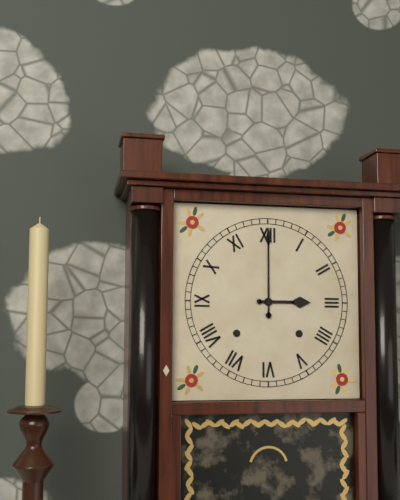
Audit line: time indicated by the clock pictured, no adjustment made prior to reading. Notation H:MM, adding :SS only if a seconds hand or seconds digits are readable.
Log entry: 3:00
